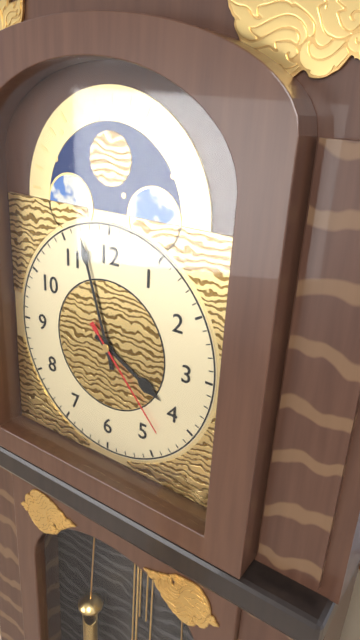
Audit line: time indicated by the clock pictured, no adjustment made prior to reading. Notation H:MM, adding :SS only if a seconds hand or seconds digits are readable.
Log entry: 3:57:23
